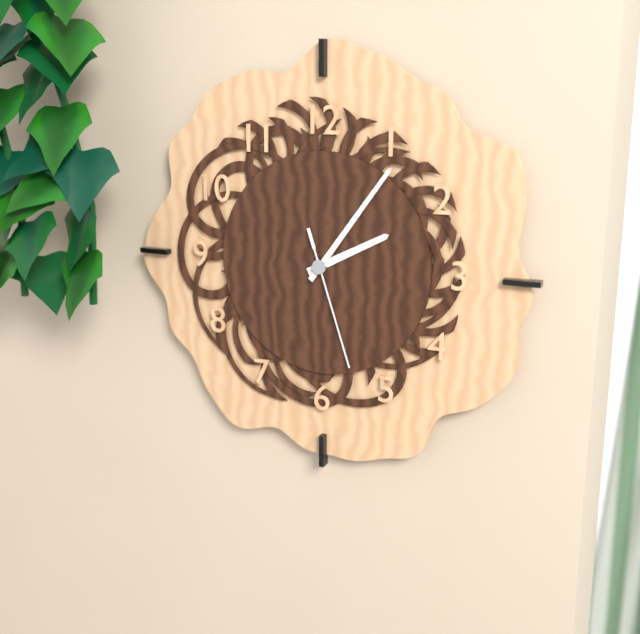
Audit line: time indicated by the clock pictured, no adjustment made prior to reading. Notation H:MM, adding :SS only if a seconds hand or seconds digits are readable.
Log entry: 2:06:27
